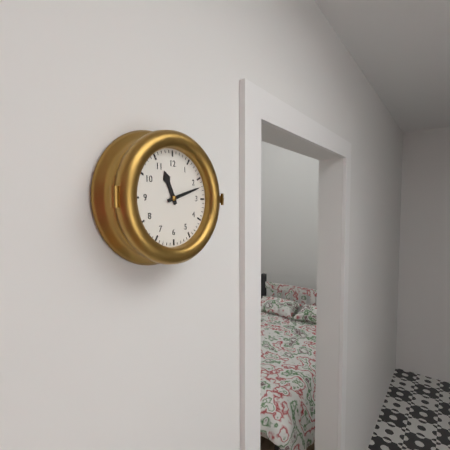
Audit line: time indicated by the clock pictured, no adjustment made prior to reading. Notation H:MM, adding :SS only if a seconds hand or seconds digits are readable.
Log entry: 11:12
